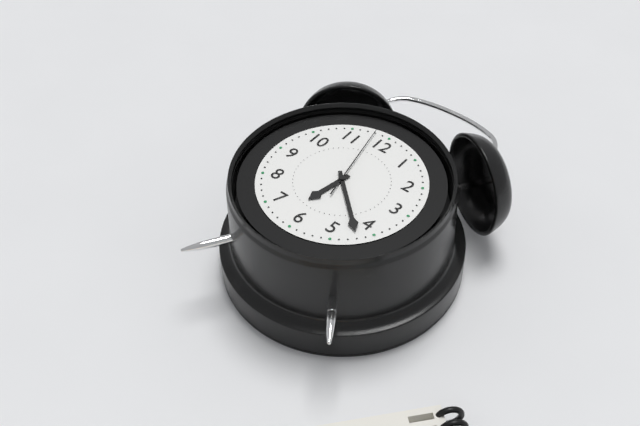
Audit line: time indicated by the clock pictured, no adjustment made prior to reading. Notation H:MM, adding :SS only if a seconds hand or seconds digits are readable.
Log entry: 6:22:58
